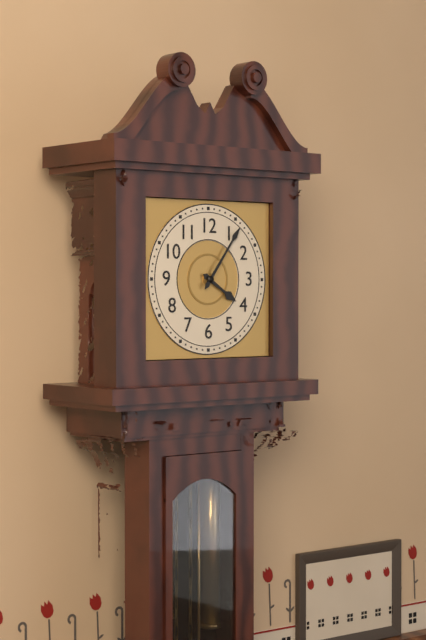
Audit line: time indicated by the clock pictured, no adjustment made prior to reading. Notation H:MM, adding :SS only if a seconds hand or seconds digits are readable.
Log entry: 4:06
